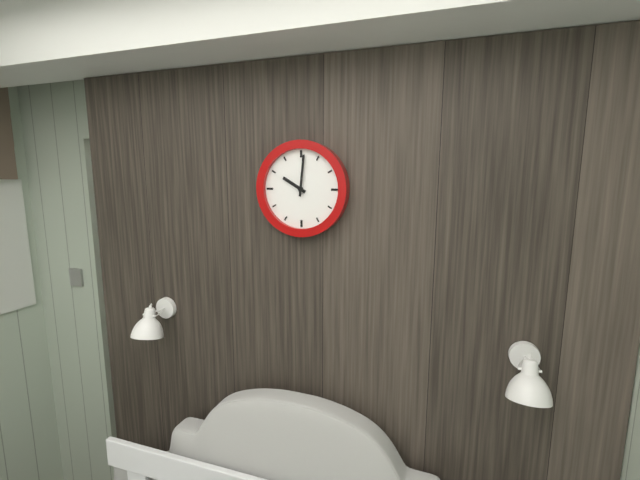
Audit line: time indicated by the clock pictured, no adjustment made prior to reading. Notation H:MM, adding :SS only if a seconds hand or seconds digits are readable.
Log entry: 10:01
